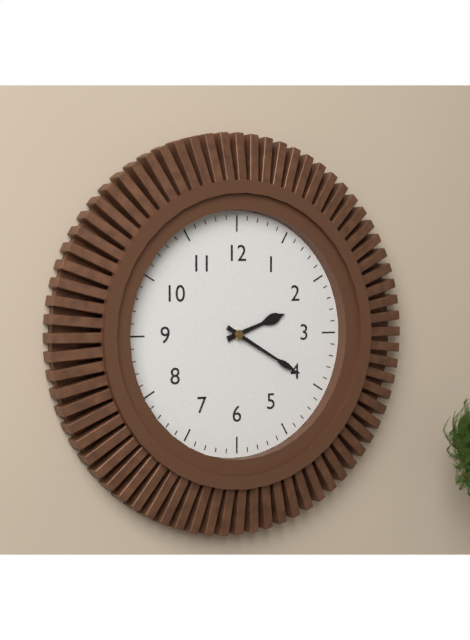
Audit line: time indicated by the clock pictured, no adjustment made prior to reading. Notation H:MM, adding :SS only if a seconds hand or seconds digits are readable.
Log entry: 2:20
